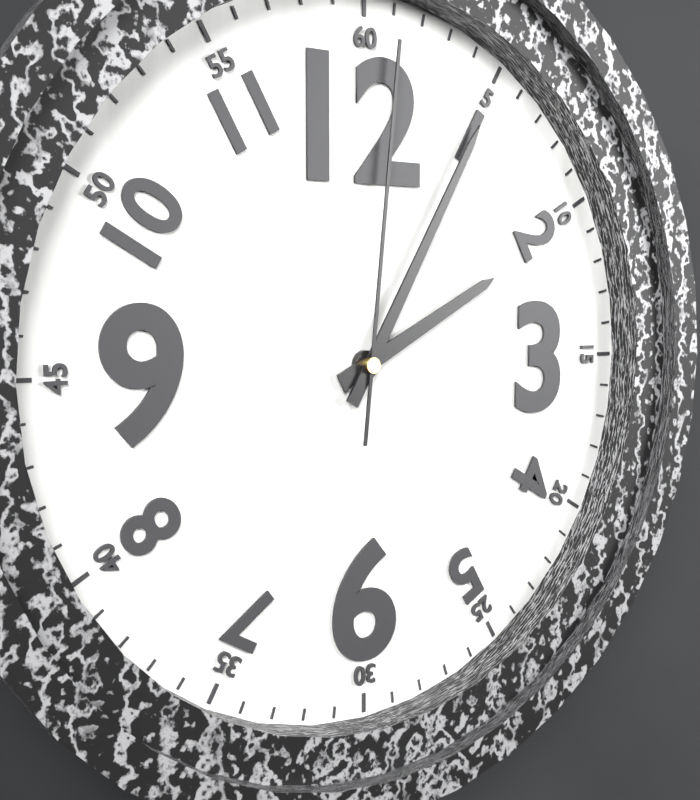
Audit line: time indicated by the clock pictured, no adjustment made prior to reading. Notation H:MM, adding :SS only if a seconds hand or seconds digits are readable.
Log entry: 2:05:01
